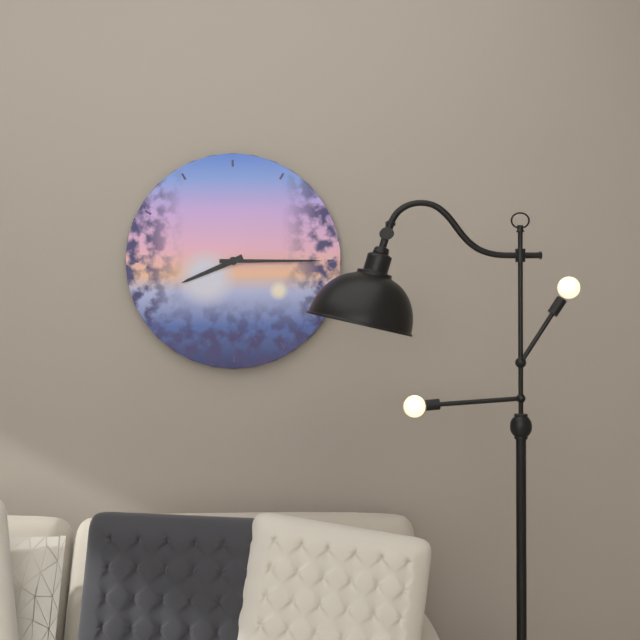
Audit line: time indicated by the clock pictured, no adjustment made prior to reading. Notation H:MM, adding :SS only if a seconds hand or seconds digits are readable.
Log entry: 8:15
